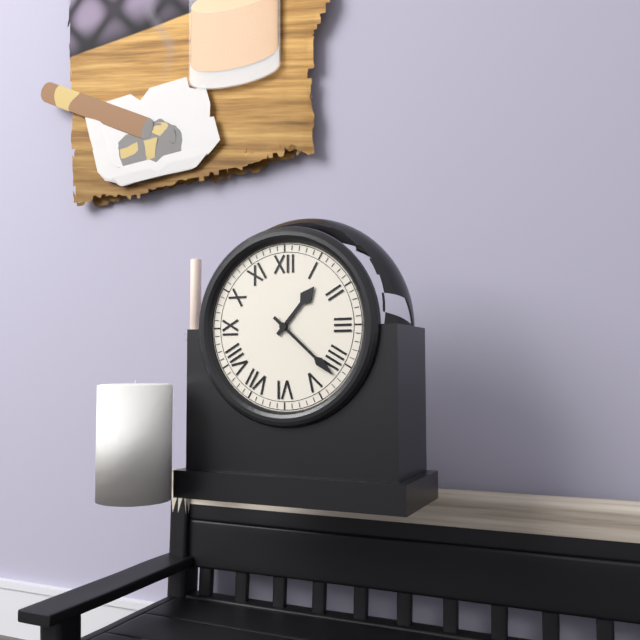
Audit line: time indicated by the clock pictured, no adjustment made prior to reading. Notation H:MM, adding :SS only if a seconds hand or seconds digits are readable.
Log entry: 1:22
